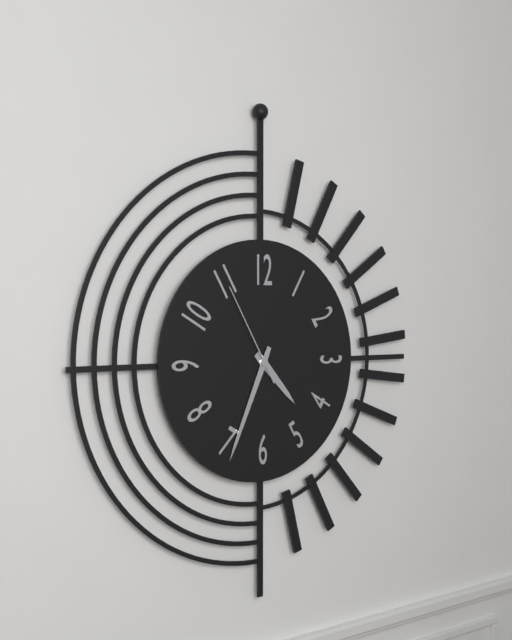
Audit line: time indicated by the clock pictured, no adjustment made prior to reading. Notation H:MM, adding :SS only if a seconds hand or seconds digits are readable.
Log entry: 4:34:55
